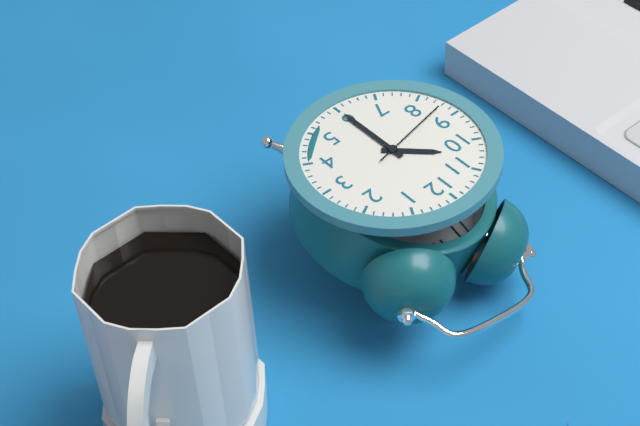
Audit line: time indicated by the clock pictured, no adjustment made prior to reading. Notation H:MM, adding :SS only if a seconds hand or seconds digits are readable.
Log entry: 10:30:43
